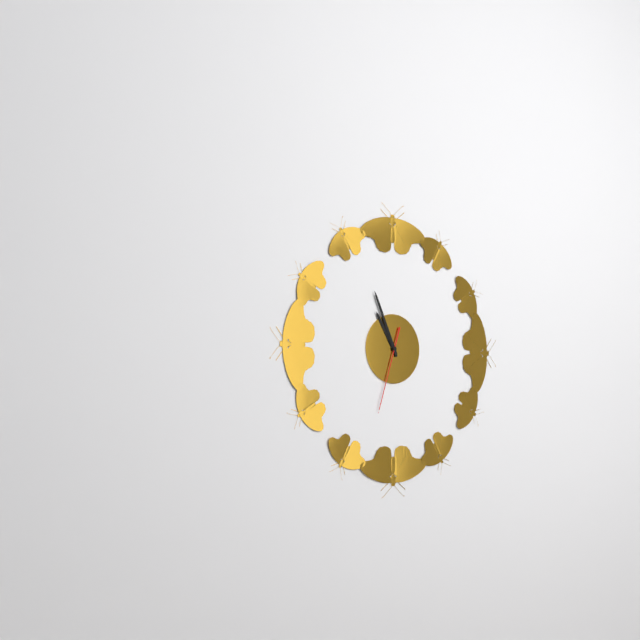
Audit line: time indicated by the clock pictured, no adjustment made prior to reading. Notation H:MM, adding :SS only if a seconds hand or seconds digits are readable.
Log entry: 10:56:33
